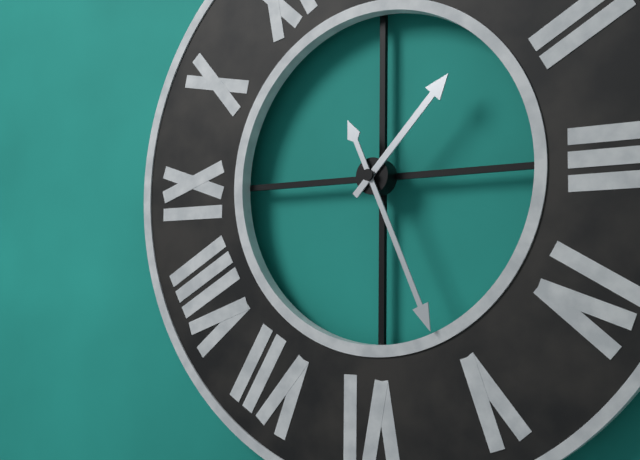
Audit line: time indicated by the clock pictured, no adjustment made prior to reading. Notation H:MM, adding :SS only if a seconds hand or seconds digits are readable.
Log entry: 1:26
